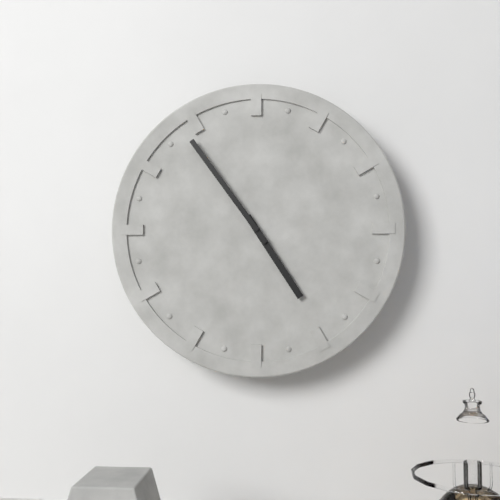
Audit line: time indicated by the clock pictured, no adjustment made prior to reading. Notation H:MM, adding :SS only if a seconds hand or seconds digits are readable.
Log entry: 4:54
